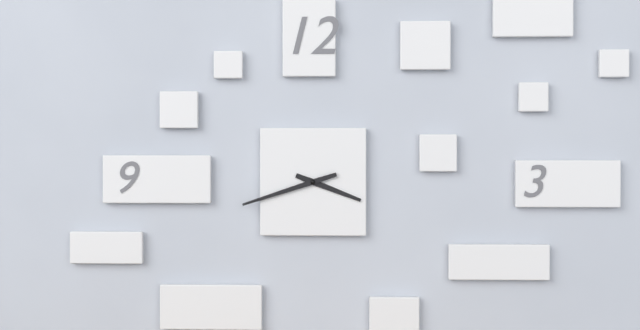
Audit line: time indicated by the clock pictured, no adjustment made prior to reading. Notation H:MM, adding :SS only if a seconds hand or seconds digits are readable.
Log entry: 3:42
